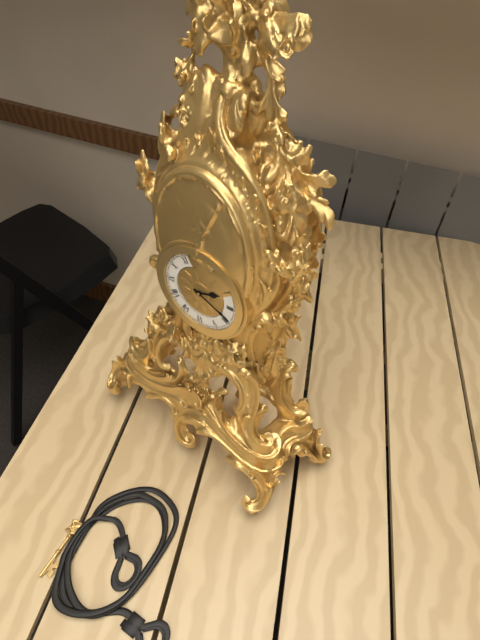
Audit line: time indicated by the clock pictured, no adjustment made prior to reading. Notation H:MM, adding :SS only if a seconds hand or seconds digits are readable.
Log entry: 2:19
